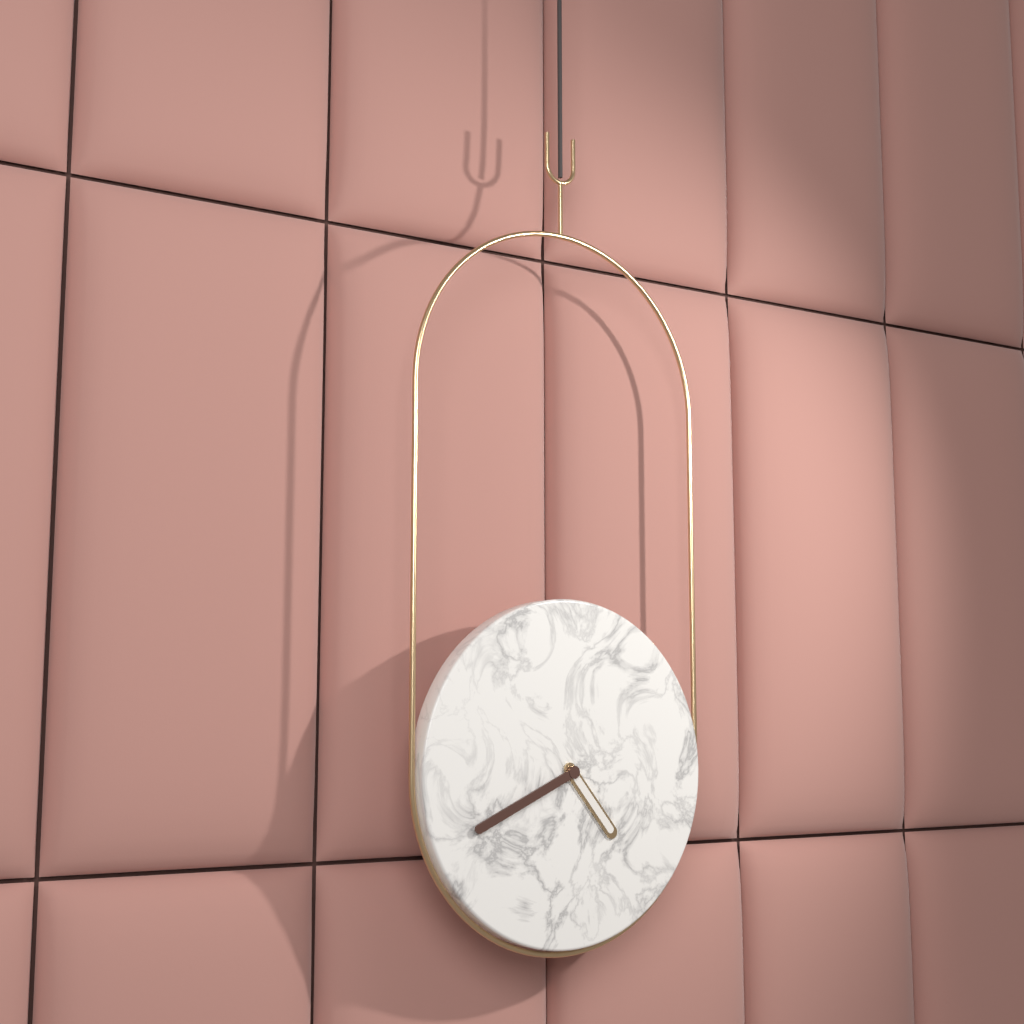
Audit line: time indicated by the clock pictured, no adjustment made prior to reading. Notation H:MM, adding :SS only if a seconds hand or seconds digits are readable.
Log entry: 4:41
